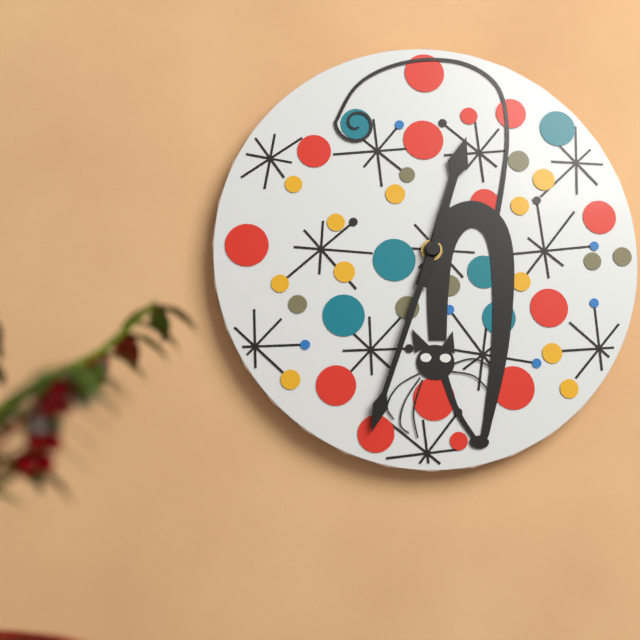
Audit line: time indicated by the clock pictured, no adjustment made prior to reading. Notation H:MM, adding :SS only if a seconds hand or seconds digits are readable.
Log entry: 12:33
